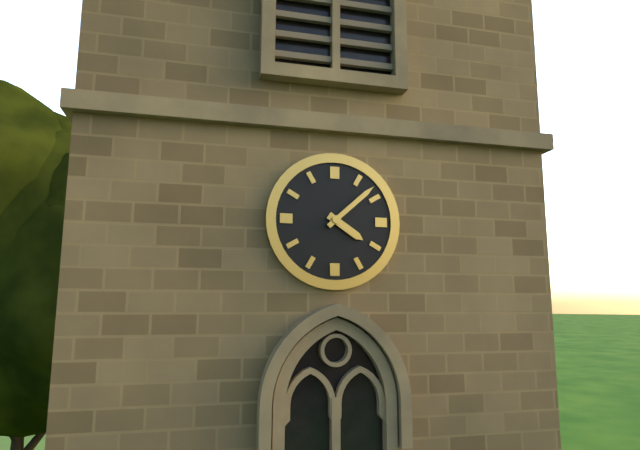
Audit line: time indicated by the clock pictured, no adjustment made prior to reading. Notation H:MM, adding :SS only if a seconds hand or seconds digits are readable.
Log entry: 4:08
